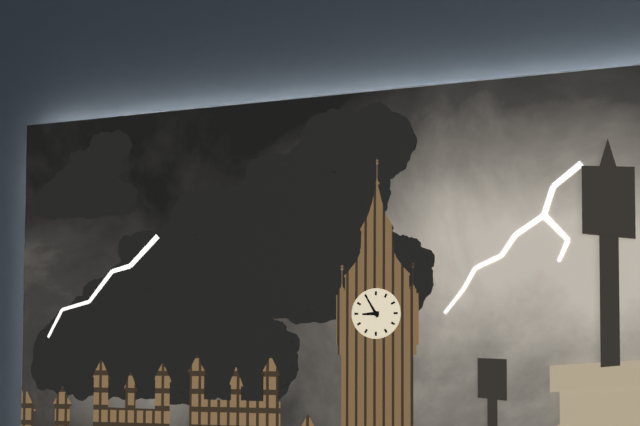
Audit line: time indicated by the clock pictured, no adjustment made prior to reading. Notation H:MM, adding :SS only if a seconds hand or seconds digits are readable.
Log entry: 8:55
